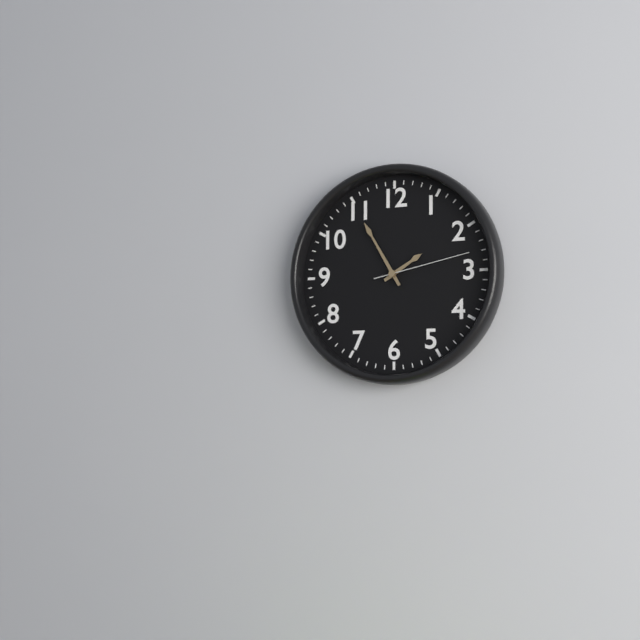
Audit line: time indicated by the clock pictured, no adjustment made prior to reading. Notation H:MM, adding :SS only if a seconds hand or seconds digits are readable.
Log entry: 1:55:13
